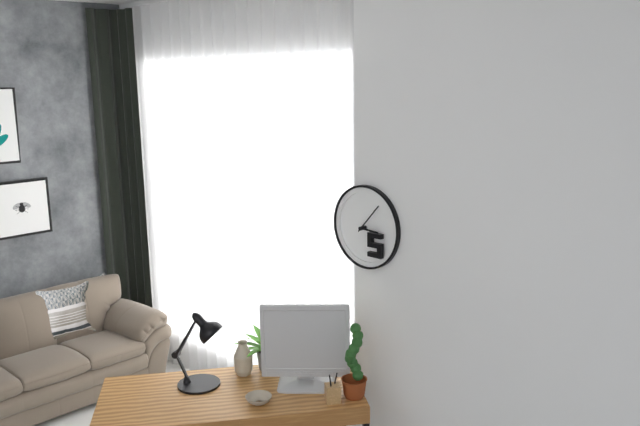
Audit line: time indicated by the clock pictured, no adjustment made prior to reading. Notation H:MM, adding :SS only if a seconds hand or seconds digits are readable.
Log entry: 3:07
